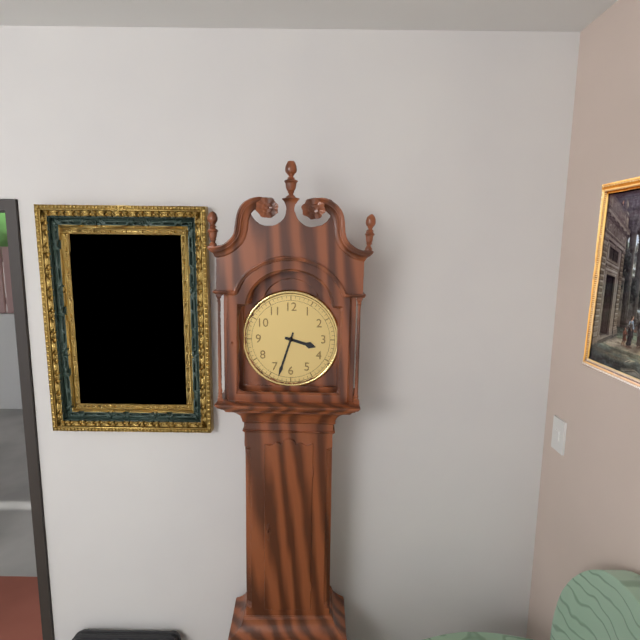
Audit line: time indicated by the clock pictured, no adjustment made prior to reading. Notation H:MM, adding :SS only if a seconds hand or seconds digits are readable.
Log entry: 3:33
